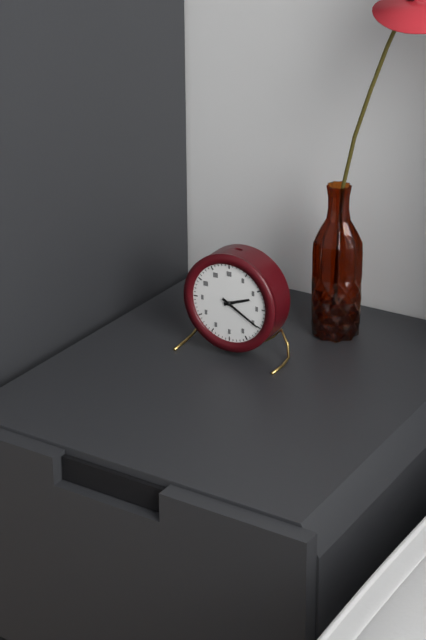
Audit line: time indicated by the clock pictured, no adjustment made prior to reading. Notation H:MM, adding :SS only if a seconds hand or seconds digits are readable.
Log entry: 2:20
